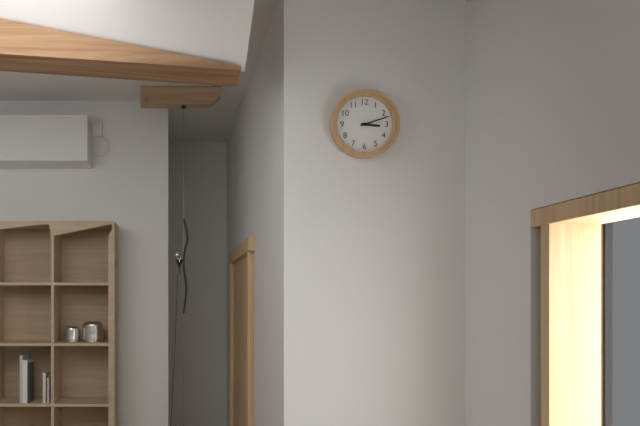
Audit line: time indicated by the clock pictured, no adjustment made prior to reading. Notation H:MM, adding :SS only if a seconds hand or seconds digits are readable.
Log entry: 3:12
